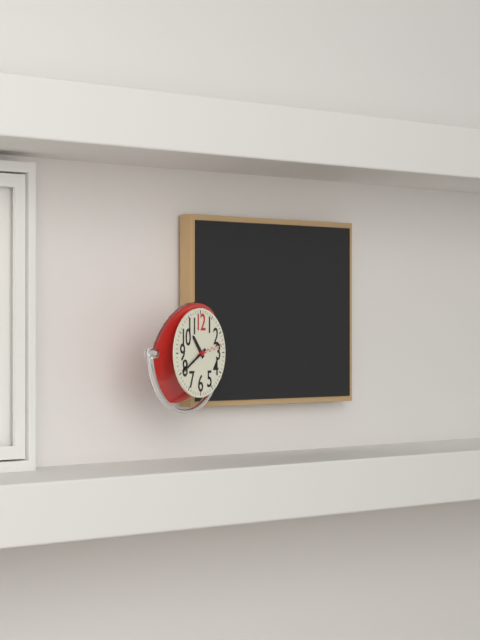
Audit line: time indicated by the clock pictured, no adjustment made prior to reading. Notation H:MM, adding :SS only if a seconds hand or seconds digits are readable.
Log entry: 10:40
